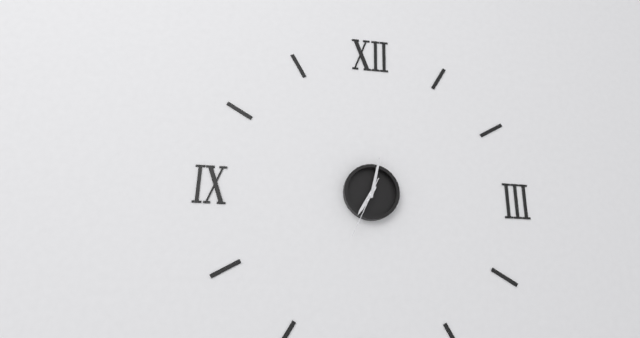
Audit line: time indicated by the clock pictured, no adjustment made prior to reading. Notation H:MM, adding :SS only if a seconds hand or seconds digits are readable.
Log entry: 7:02:34
